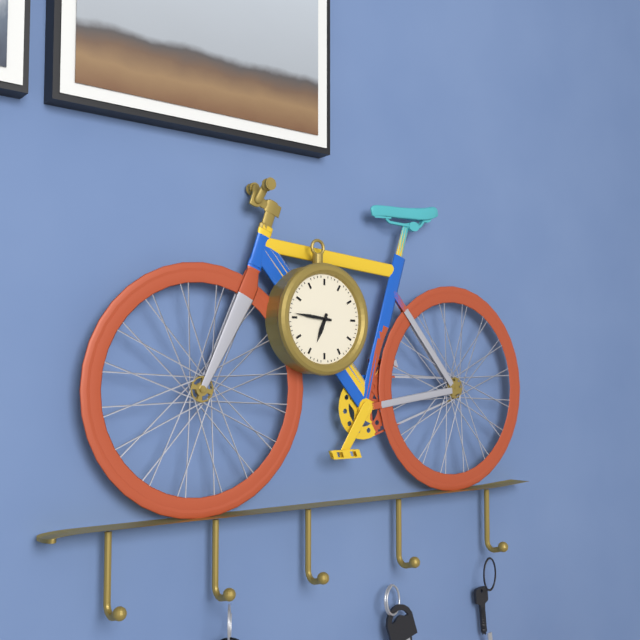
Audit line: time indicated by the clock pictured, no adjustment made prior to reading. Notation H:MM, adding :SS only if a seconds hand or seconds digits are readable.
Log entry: 6:46
